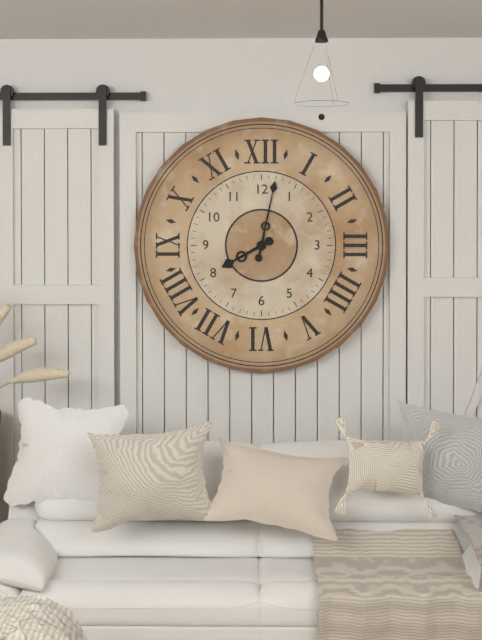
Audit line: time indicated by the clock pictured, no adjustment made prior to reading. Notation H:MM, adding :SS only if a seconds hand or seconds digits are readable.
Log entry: 8:02
